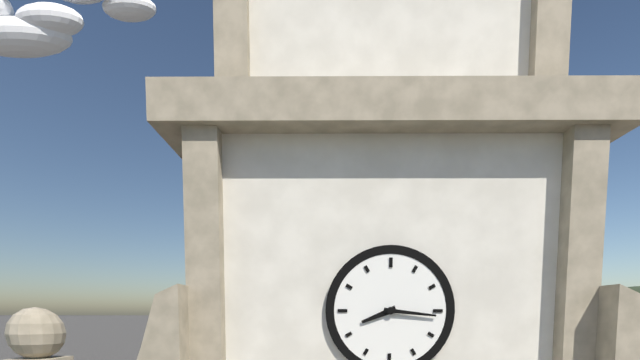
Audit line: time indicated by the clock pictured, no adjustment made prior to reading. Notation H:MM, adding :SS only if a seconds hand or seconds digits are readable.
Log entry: 8:16
